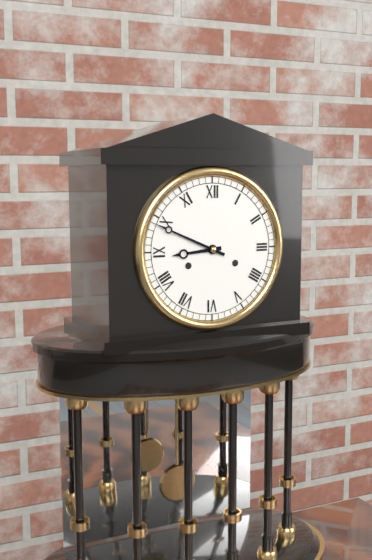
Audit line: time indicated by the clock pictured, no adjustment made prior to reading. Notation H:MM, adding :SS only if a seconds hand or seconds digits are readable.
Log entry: 8:49
